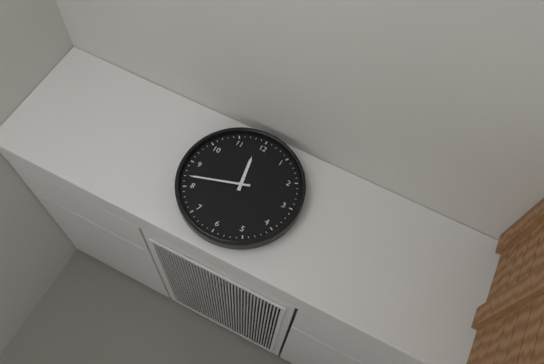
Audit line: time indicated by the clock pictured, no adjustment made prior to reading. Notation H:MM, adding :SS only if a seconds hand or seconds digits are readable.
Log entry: 11:42
